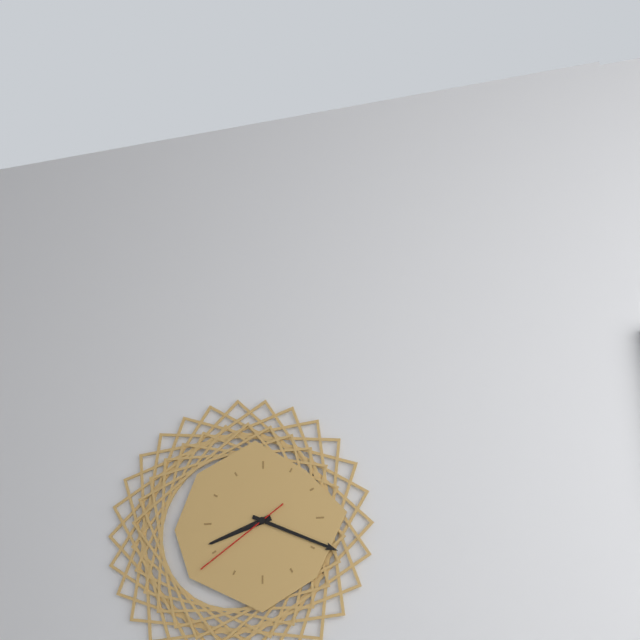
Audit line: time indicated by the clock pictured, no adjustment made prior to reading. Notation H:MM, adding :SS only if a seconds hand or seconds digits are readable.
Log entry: 8:19:39
